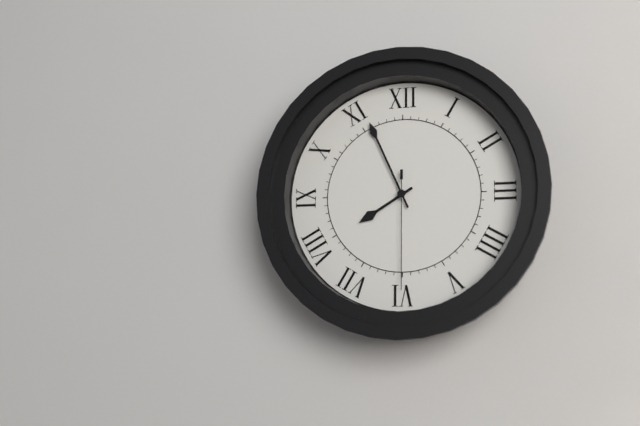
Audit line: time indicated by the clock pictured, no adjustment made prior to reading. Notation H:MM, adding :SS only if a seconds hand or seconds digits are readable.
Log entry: 7:56:30
